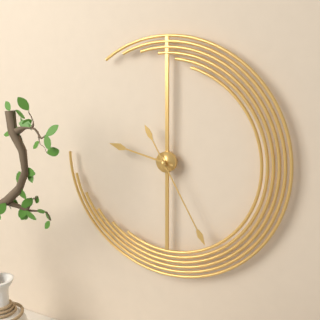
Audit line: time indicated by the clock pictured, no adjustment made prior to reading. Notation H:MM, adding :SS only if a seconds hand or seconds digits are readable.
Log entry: 9:25
